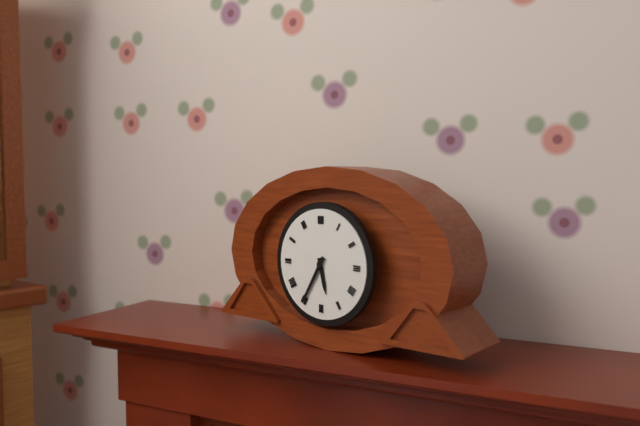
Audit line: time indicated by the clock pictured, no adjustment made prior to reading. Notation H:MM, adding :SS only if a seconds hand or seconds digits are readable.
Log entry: 5:35
